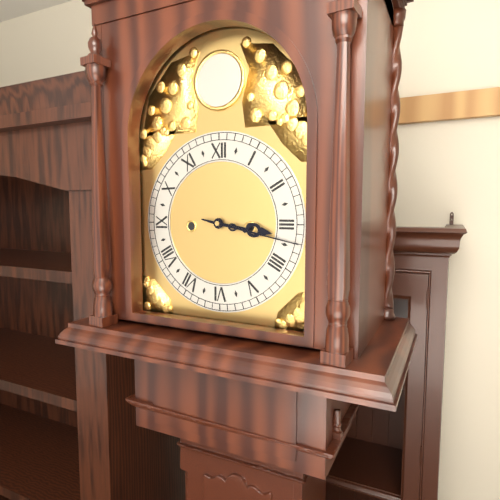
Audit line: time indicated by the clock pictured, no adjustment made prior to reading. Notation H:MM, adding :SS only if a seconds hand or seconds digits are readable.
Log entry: 3:17
